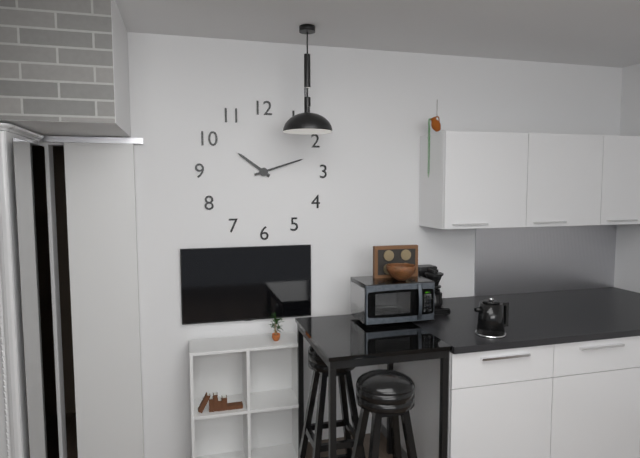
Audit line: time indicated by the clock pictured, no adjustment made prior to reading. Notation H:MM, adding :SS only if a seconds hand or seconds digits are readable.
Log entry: 10:12
